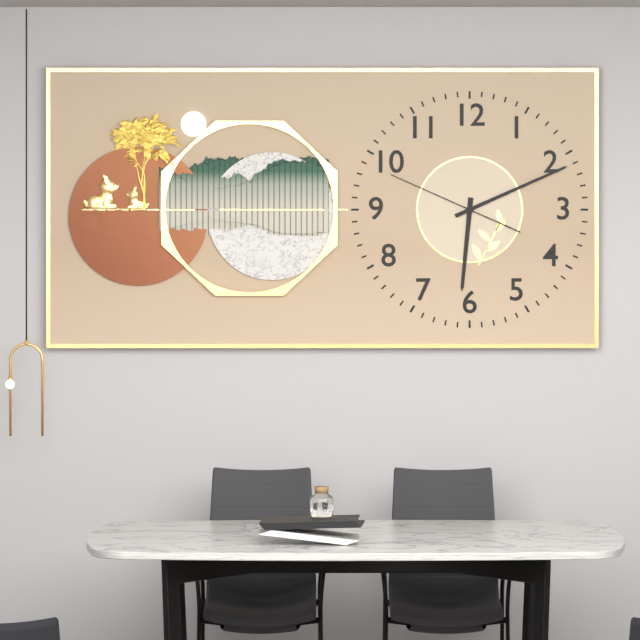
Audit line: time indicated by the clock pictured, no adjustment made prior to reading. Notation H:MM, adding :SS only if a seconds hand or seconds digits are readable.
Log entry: 6:11:49
